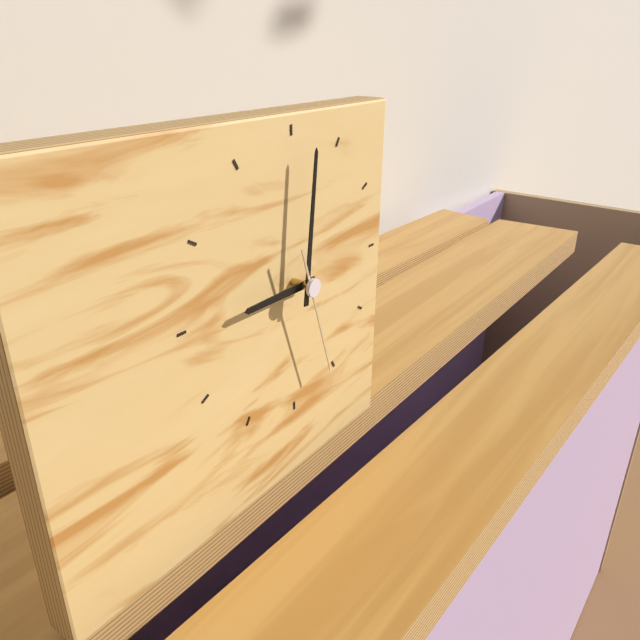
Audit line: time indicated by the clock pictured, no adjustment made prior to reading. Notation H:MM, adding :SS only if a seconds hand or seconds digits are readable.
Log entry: 9:01:27
